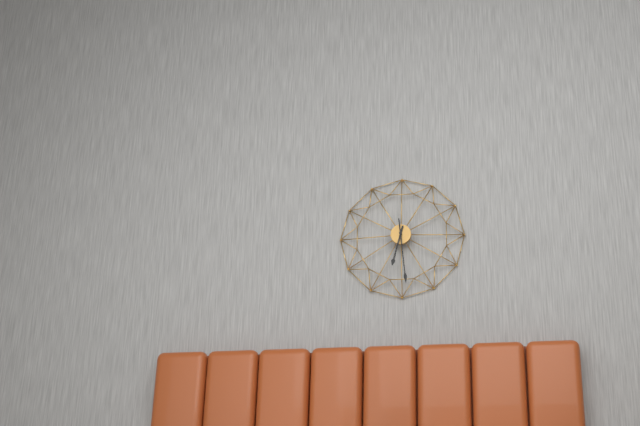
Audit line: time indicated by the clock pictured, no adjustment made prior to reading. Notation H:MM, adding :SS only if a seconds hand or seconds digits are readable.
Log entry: 6:29
